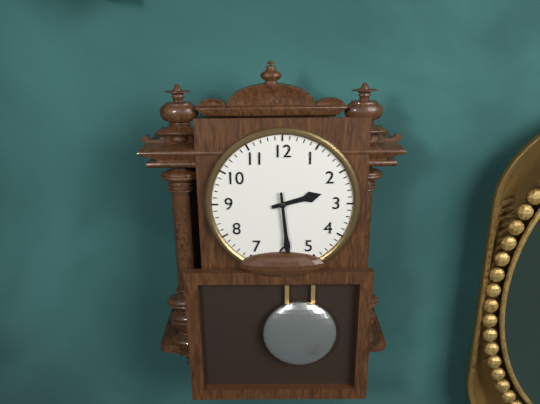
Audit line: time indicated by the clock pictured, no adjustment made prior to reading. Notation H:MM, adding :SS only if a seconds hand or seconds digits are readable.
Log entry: 2:29
